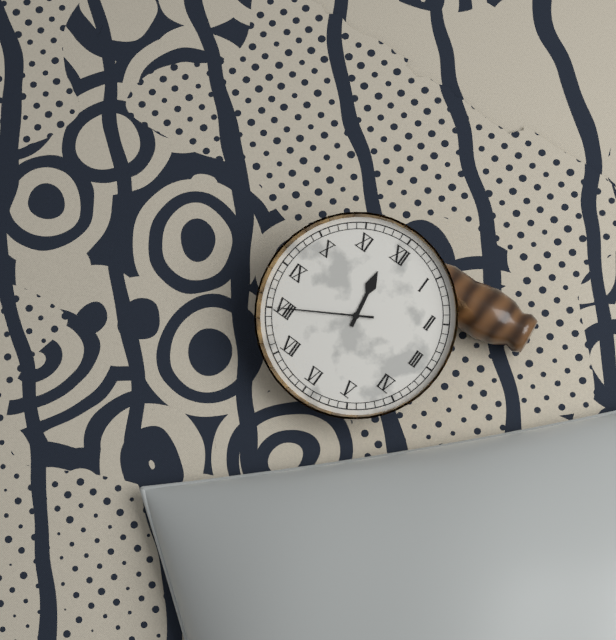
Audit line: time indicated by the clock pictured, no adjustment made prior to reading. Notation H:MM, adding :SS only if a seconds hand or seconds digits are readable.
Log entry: 11:40
